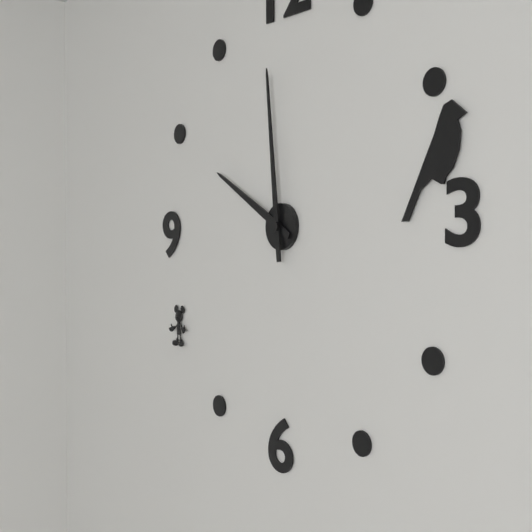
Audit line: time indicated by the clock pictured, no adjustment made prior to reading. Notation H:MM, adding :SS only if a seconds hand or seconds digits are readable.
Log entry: 9:59
